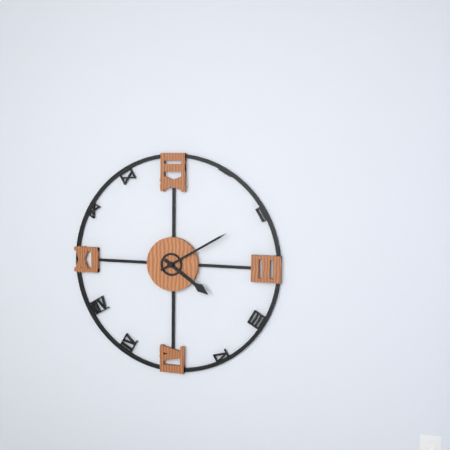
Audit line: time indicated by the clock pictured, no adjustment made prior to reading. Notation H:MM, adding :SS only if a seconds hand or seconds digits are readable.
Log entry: 4:10
